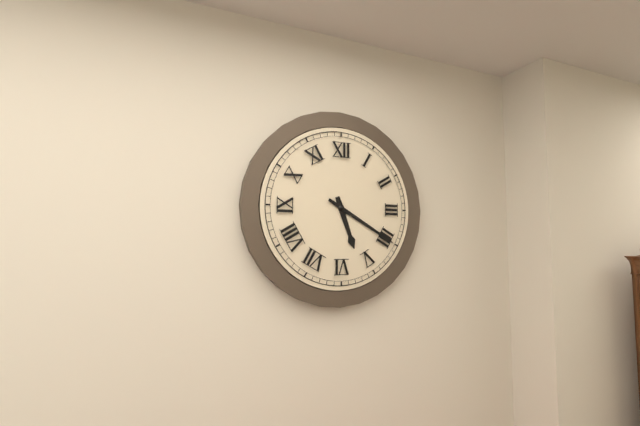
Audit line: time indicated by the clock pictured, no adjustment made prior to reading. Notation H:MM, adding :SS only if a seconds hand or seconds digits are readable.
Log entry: 5:20
